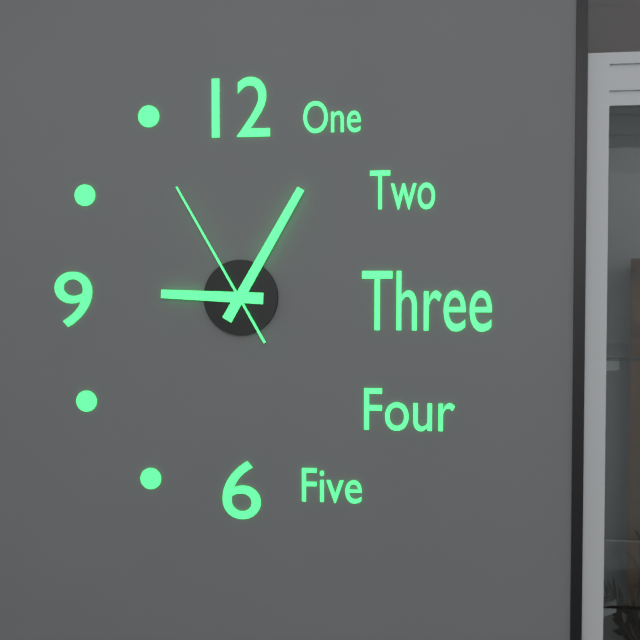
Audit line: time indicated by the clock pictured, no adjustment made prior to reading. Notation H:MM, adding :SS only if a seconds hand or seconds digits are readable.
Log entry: 9:05:55
